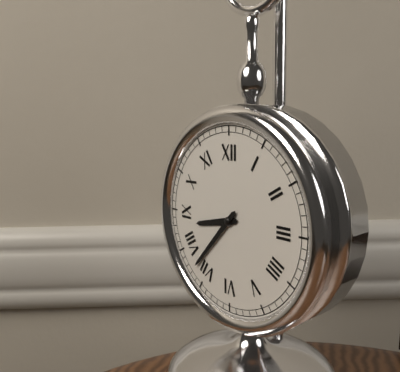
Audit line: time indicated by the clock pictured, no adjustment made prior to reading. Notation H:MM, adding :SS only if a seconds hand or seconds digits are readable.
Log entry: 8:37
